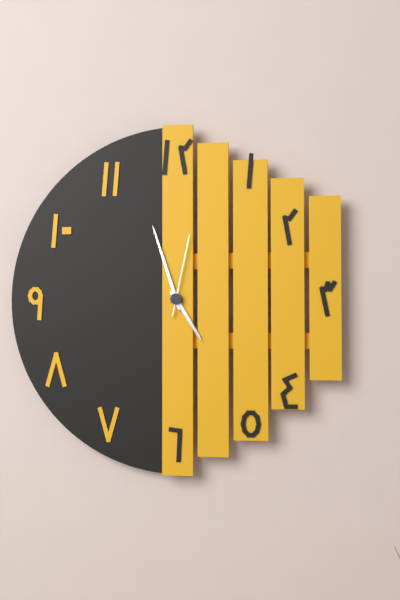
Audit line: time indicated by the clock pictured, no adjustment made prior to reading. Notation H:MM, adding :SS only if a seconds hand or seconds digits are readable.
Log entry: 4:57:02
